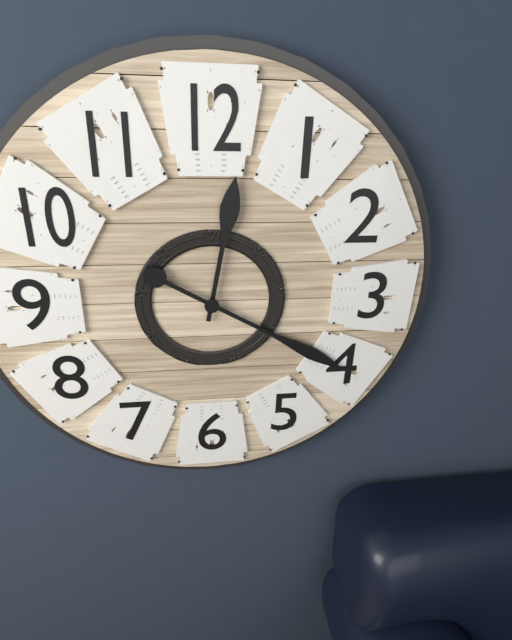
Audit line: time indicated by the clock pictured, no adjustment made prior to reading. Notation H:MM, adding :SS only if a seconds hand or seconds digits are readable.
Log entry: 12:20
